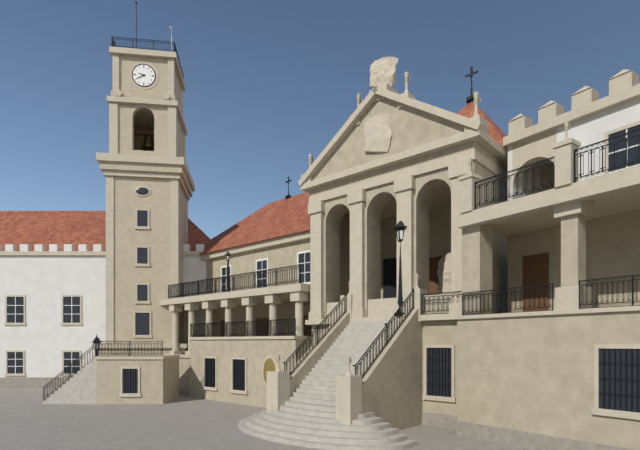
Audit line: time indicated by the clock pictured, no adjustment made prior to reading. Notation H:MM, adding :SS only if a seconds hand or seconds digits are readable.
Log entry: 9:40
